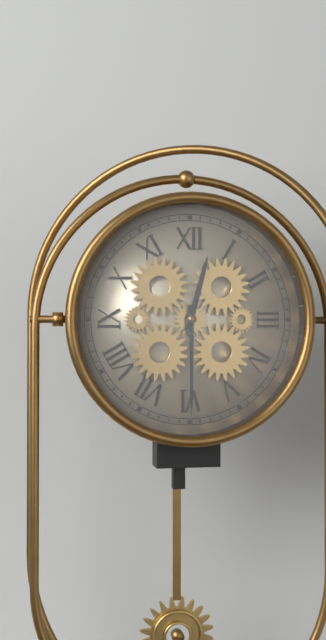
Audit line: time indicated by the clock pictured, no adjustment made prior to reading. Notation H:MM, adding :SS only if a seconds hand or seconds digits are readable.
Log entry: 12:30
